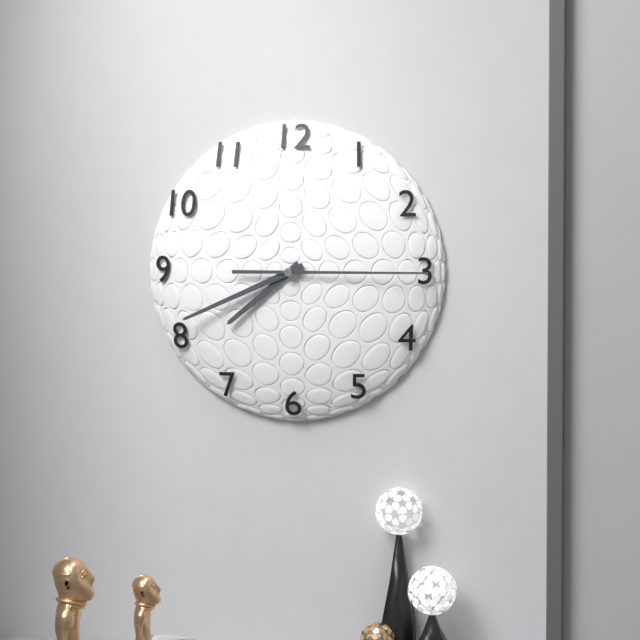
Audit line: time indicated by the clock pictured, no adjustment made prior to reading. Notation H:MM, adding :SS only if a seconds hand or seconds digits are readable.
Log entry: 7:41:15
